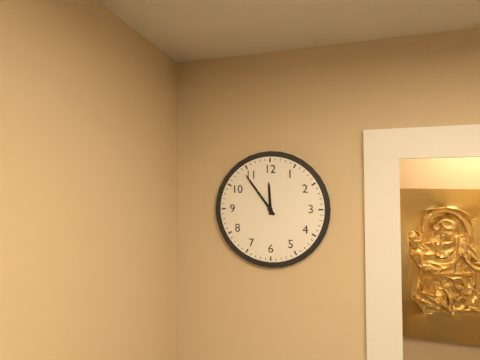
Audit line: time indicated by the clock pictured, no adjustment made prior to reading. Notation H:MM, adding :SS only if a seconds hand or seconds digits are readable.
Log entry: 11:54
